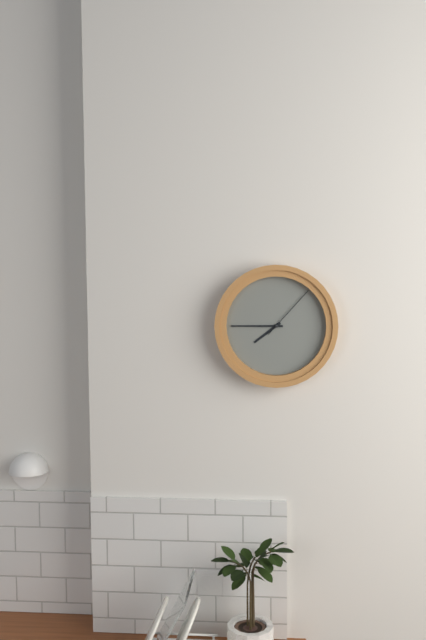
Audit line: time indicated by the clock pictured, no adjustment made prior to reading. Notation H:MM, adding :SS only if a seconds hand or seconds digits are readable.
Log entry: 7:45:07
